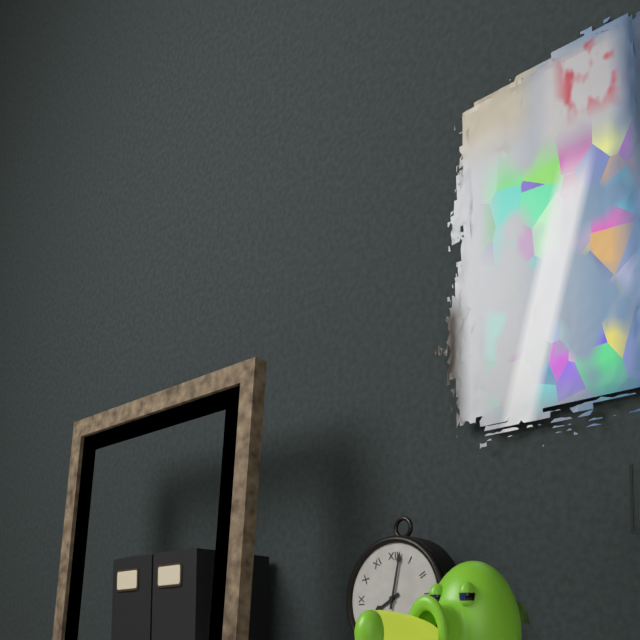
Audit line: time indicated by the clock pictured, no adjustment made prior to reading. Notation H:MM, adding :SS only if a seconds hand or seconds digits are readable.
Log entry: 8:02
